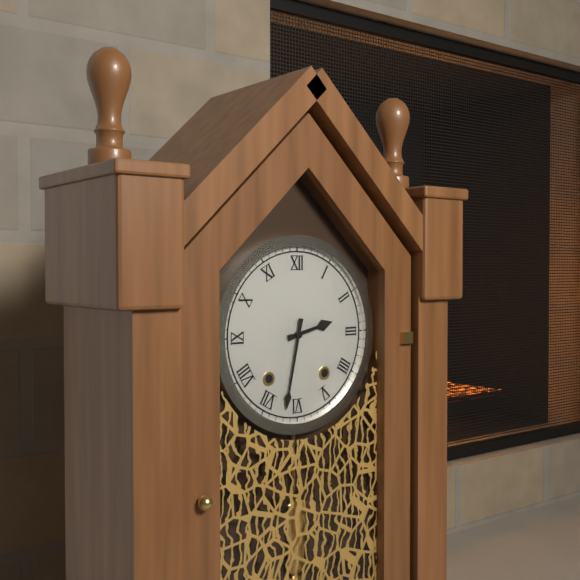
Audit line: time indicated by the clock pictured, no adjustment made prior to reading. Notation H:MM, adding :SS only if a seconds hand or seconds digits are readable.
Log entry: 2:32
